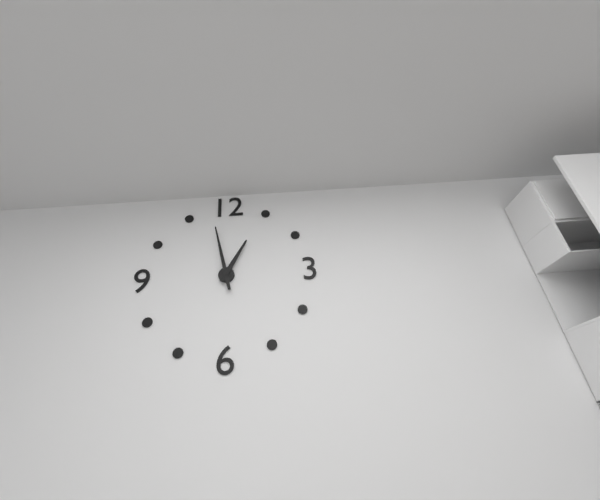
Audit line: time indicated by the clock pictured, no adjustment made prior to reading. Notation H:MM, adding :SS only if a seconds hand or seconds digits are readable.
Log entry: 12:58
